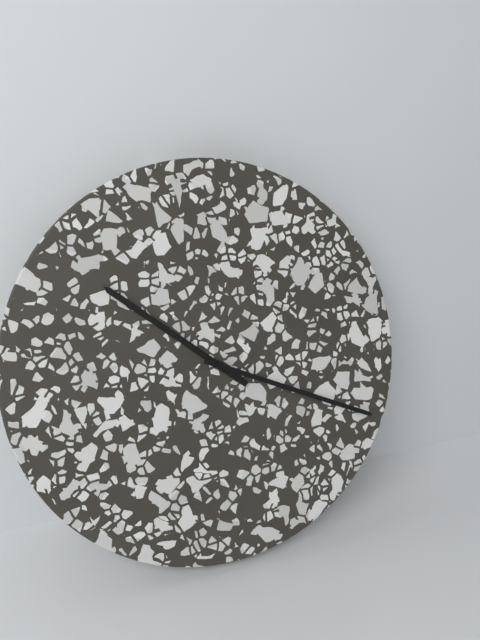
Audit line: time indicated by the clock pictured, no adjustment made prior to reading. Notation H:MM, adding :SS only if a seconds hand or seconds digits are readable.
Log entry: 10:19
